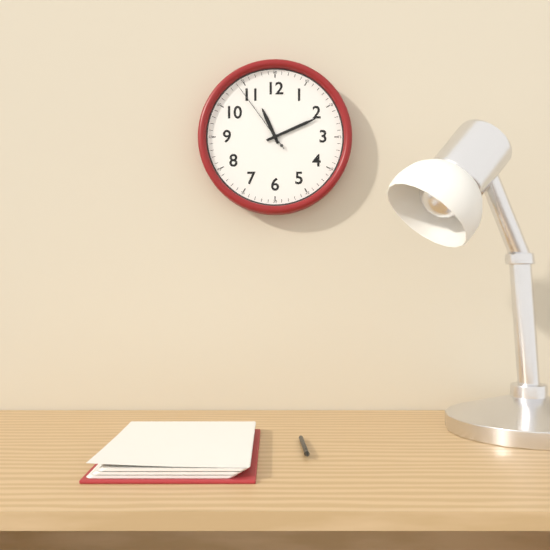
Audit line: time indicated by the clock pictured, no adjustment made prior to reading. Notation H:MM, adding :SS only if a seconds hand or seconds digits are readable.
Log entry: 11:11:54
